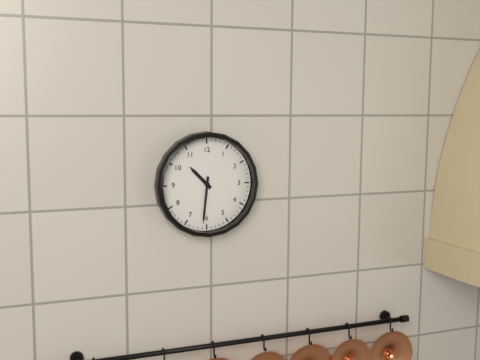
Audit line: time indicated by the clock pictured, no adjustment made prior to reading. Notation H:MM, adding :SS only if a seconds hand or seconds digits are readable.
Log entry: 10:31
